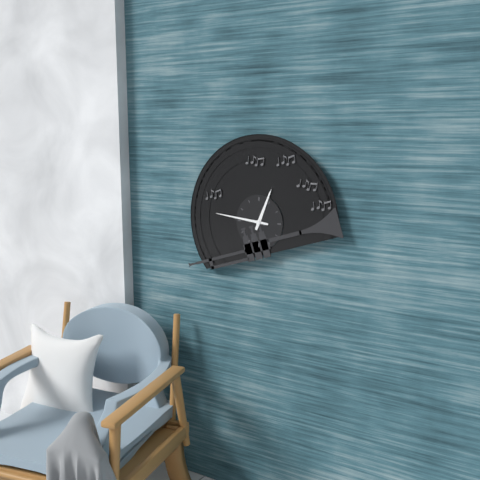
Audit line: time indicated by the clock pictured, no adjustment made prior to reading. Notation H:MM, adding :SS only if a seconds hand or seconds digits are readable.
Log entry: 12:46
